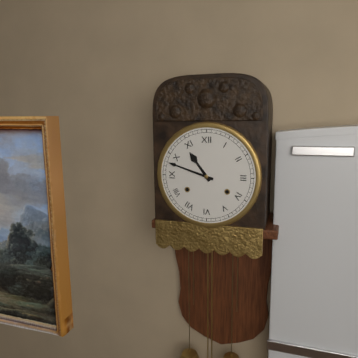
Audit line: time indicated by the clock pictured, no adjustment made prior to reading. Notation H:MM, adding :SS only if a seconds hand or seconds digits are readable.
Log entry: 10:48
